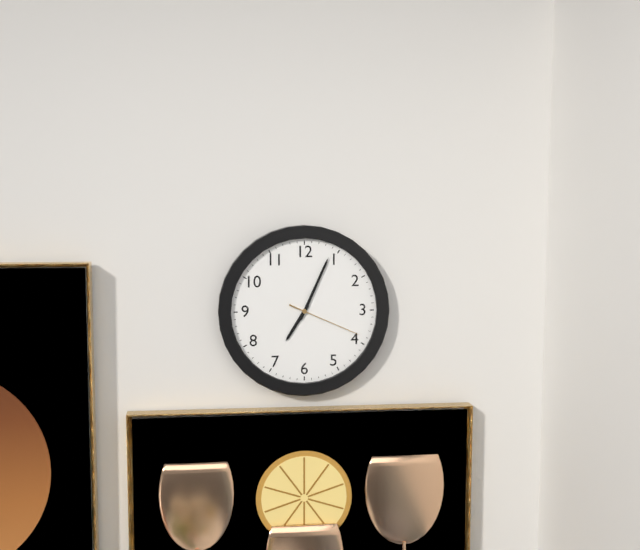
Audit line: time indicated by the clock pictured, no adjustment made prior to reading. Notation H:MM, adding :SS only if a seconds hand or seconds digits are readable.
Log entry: 7:04:19
